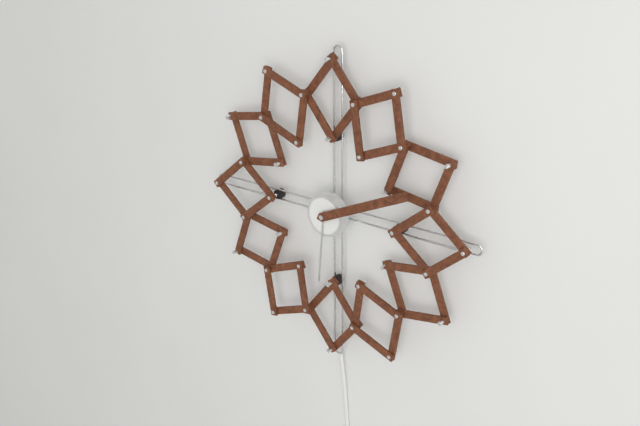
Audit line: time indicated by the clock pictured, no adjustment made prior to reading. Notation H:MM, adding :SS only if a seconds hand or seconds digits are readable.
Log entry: 6:11
